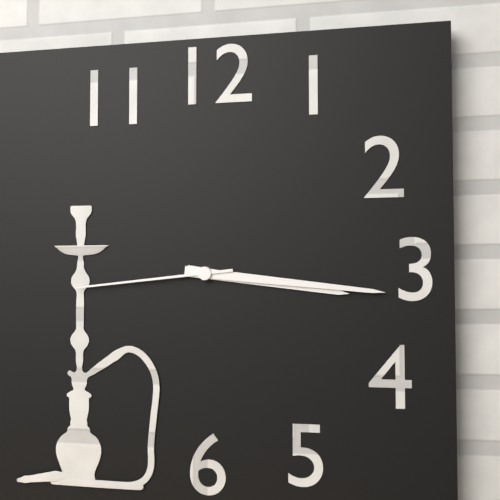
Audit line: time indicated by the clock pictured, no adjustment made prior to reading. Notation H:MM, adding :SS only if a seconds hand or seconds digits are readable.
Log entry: 3:16:44
